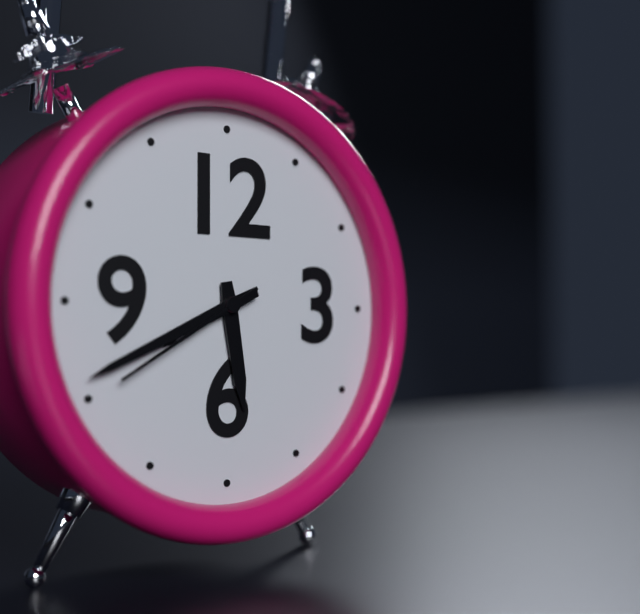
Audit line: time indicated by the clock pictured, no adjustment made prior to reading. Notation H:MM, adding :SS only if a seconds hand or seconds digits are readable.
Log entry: 5:41:40
